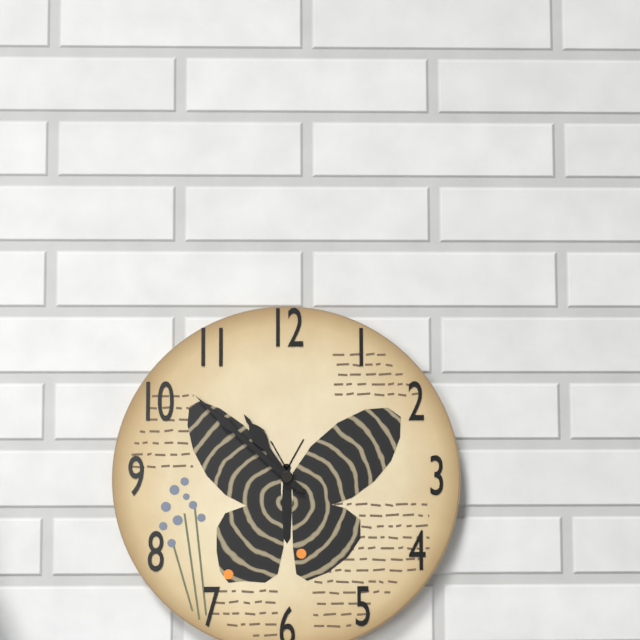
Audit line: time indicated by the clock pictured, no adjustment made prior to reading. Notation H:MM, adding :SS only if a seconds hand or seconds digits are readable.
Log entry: 10:52
